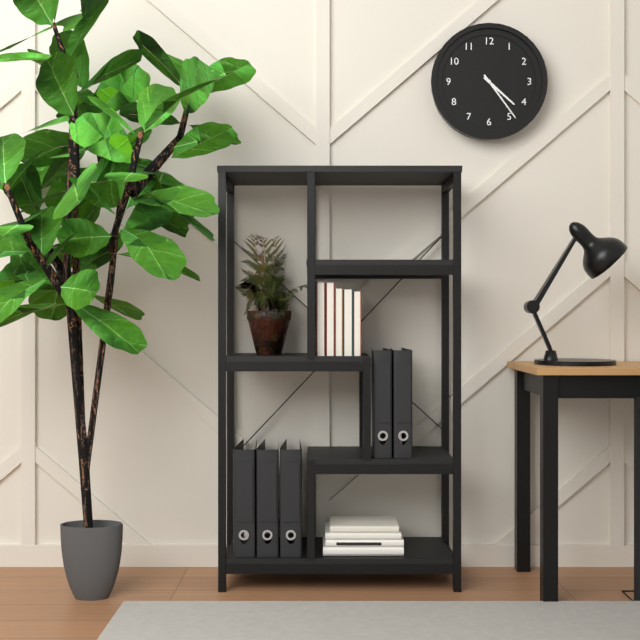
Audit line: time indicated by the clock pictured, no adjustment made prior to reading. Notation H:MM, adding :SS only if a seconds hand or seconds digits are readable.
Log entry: 4:24
